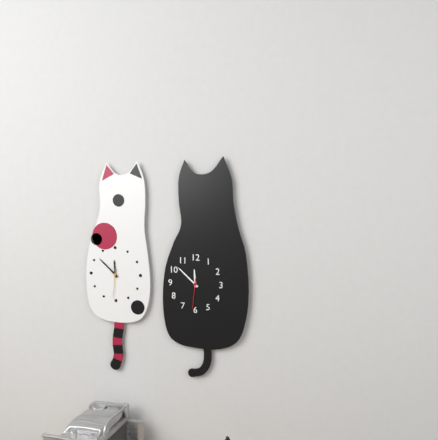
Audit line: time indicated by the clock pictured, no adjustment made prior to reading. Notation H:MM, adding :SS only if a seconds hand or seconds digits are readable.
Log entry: 11:52
